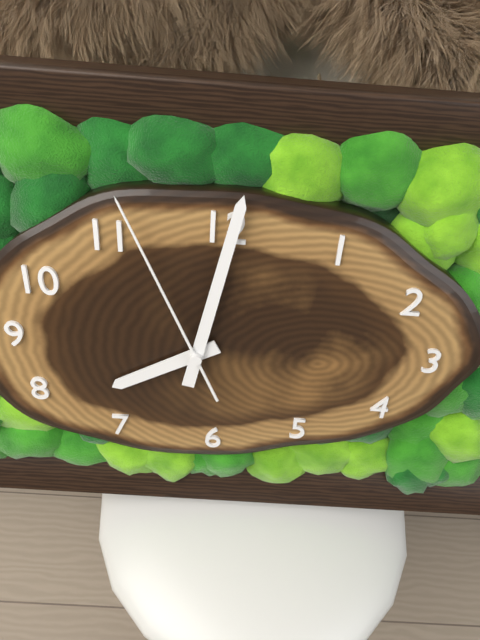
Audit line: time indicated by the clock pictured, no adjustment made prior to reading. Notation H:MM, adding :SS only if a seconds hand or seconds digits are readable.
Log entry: 8:02:56
